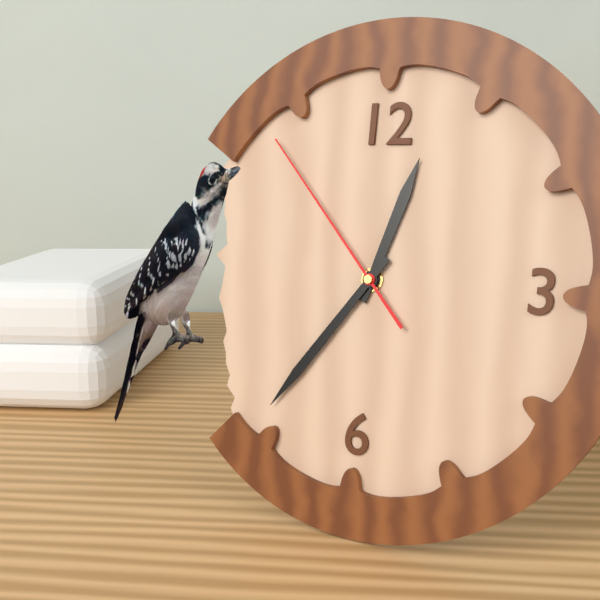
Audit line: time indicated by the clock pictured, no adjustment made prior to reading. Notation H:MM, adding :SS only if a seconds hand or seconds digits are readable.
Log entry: 12:36:53
